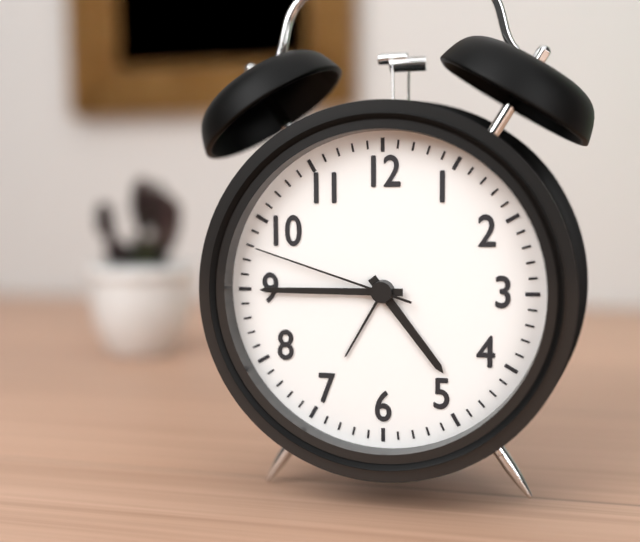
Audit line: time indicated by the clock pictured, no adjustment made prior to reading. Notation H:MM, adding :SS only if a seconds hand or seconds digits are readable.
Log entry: 4:45:48
